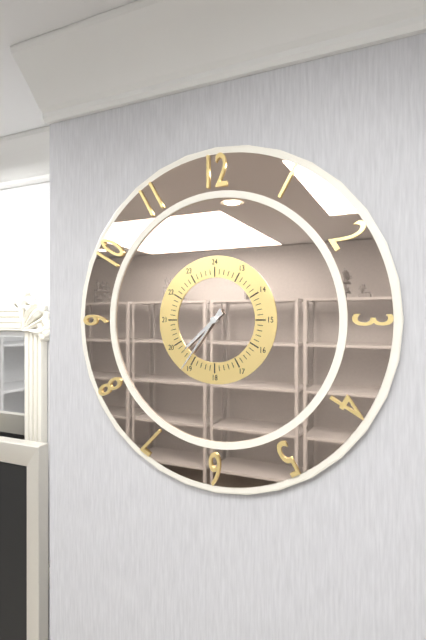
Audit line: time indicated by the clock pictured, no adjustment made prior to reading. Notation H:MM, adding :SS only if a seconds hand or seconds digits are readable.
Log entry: 7:36
